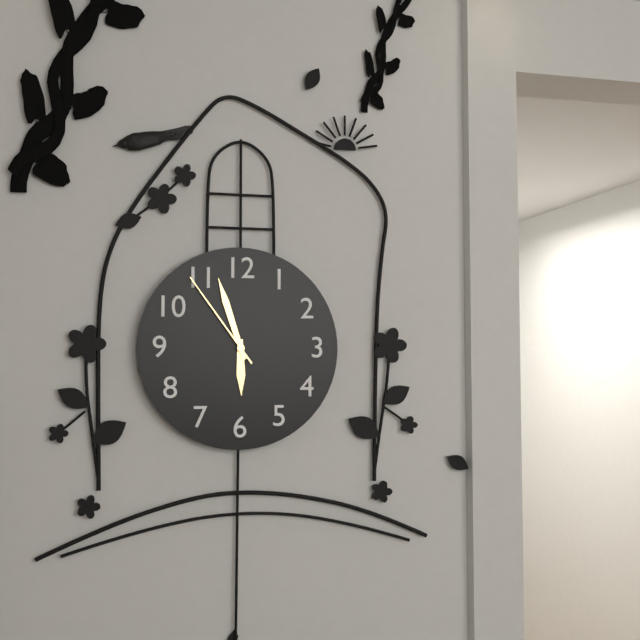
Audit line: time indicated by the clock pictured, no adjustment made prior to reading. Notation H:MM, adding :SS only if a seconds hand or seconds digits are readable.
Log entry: 5:57:54
